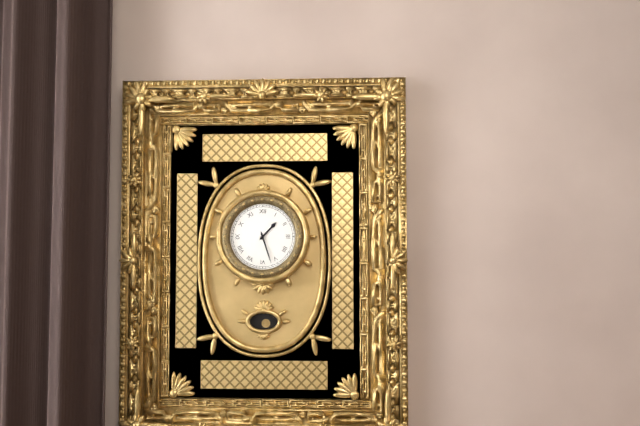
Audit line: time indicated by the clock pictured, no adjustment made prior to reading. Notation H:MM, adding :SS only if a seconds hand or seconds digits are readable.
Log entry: 1:27
